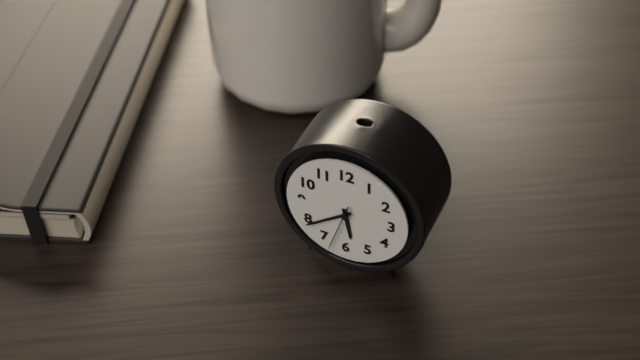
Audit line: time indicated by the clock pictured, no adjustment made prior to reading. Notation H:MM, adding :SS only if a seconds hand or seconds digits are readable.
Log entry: 5:39
